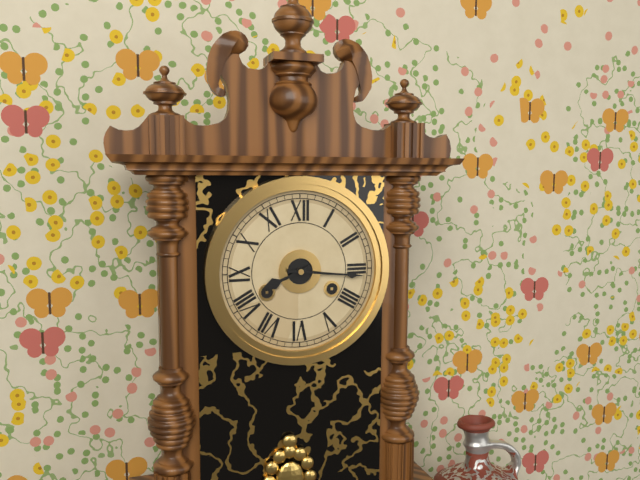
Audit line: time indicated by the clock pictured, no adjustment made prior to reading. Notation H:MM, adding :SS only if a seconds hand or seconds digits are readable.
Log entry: 8:16
